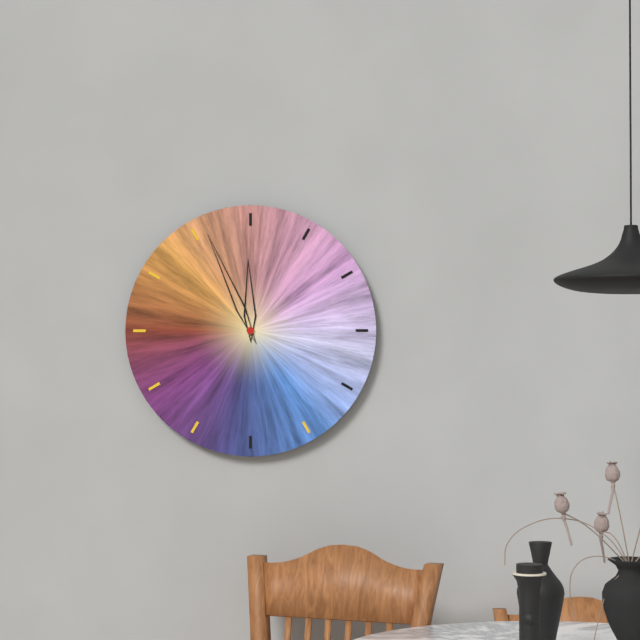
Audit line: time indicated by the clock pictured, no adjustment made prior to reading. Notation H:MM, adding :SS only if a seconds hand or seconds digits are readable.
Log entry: 11:56
